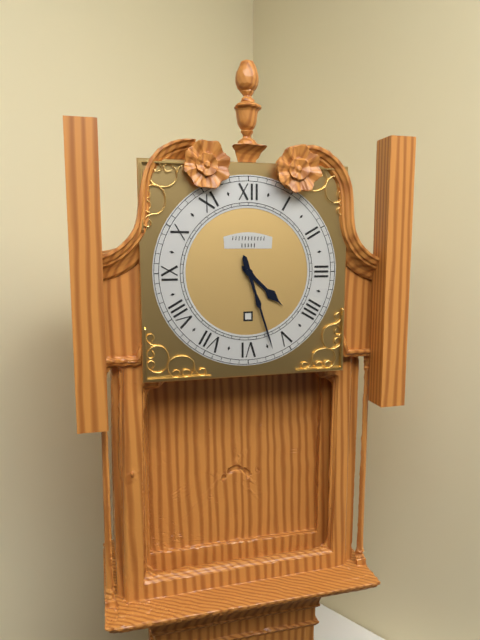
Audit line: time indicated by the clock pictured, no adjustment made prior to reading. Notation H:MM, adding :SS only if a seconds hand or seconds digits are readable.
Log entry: 4:27
